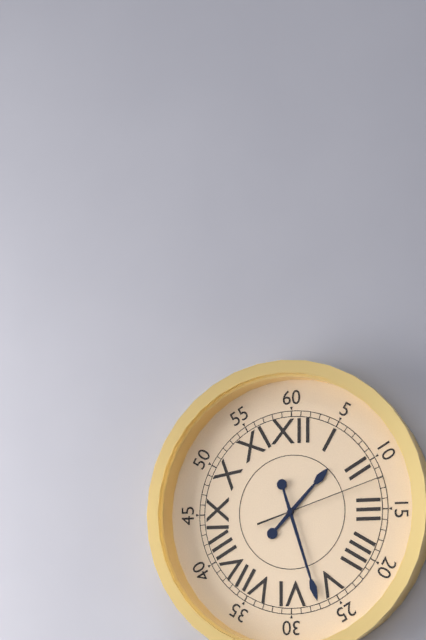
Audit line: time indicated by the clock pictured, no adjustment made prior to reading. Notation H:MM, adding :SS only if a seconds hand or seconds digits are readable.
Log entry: 1:27:12
